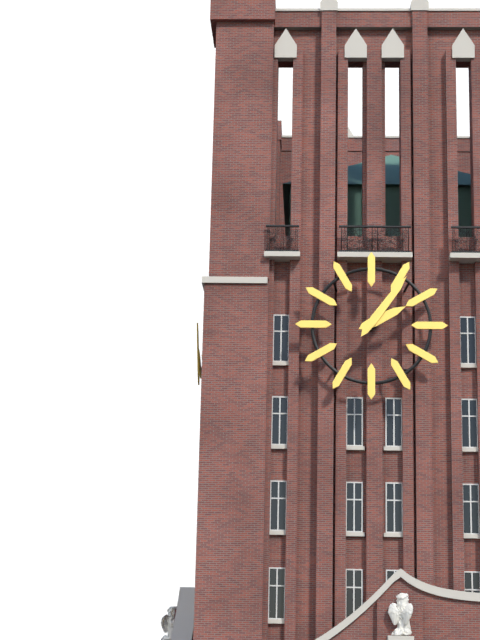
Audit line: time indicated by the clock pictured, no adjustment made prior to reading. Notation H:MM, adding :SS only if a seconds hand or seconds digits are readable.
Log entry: 2:06
